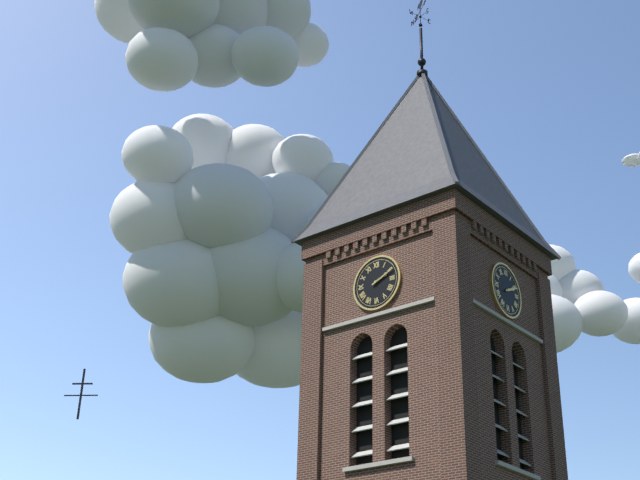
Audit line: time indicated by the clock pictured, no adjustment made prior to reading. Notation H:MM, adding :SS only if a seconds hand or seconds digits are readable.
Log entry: 2:11
